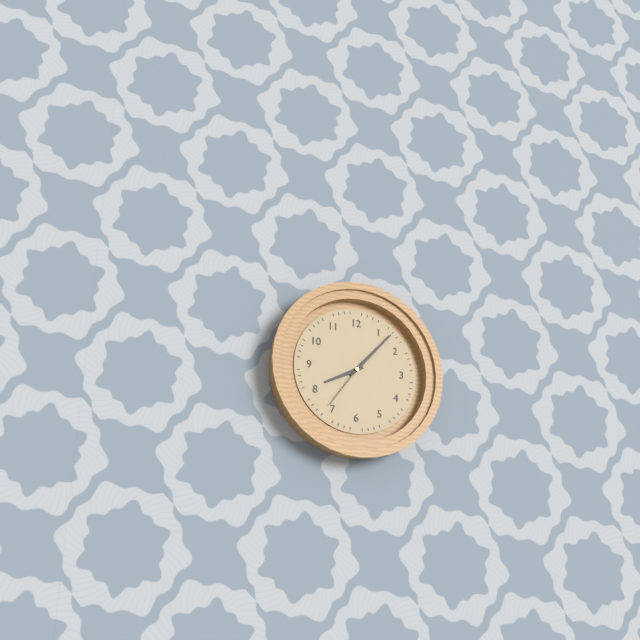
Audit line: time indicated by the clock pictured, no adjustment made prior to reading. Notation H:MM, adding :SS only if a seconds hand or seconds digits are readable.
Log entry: 8:07:36
